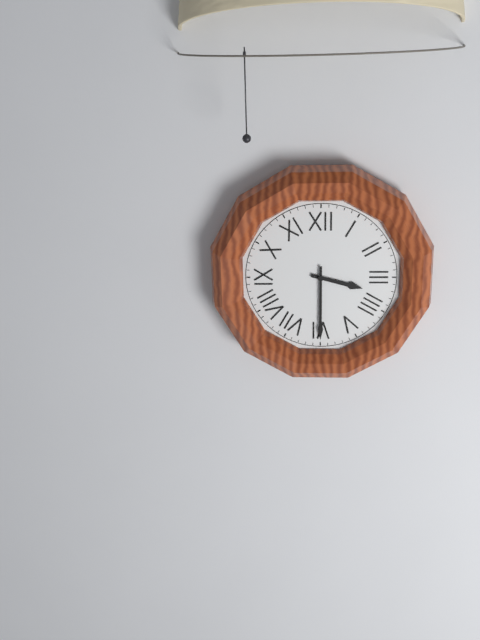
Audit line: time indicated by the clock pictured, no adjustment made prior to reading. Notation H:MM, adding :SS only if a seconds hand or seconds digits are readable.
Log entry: 3:30
